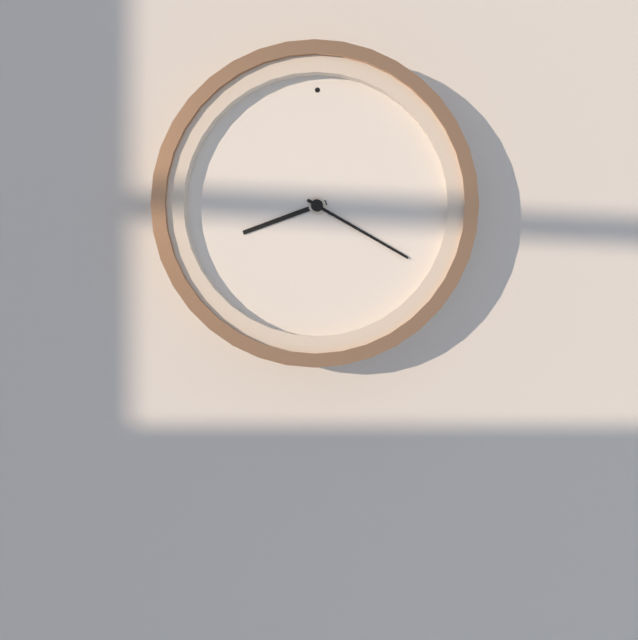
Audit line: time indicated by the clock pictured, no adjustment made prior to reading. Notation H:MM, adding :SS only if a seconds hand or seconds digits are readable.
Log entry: 8:20
